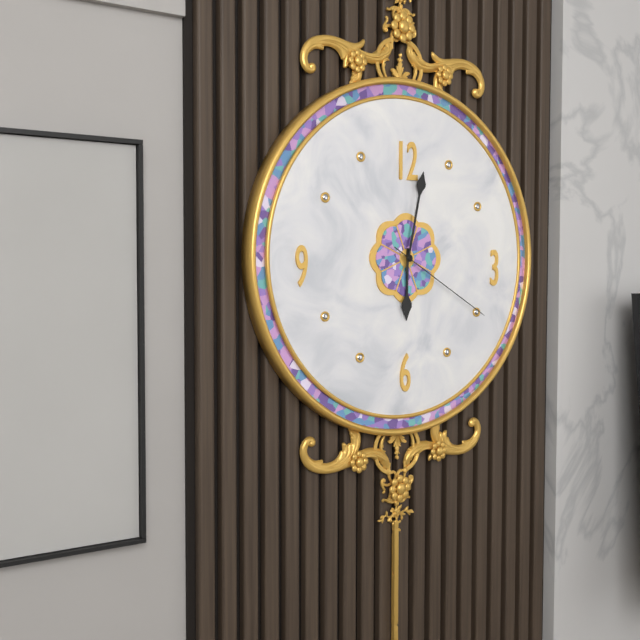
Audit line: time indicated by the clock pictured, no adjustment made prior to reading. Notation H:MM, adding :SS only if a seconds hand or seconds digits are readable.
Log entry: 6:02:20
